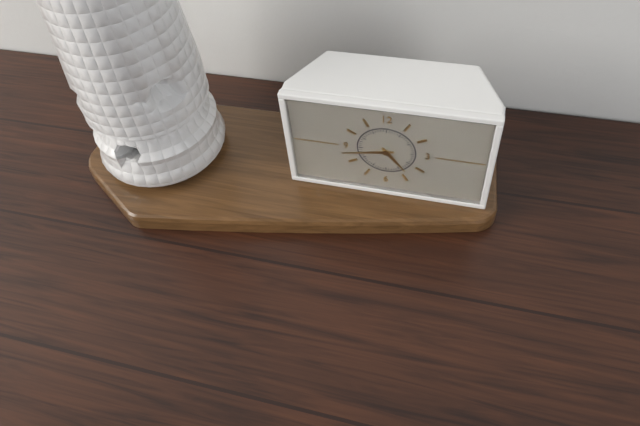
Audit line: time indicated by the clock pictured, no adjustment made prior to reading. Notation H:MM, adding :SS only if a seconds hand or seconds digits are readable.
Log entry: 4:43
